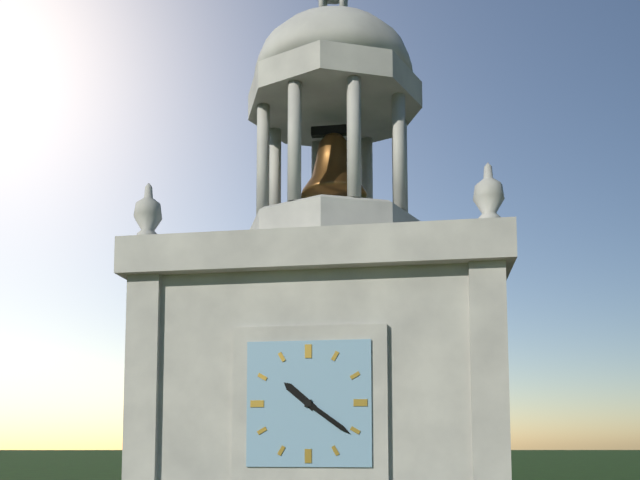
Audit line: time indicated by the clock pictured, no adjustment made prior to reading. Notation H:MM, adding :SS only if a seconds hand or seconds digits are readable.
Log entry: 10:21
